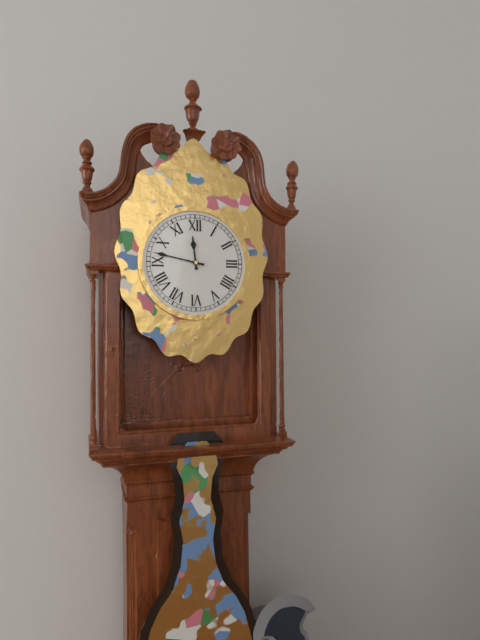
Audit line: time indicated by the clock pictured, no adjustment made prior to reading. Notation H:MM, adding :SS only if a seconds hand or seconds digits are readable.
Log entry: 11:47
